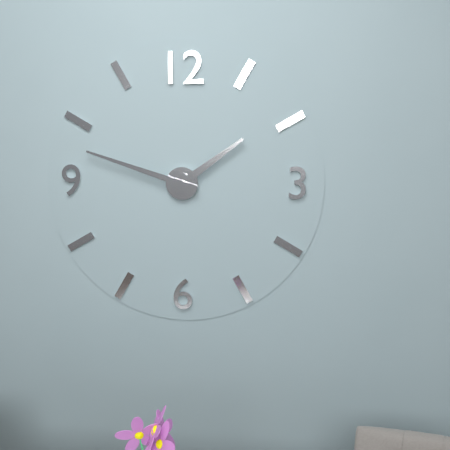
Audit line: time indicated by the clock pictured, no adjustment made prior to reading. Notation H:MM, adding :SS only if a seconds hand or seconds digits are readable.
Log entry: 1:48
